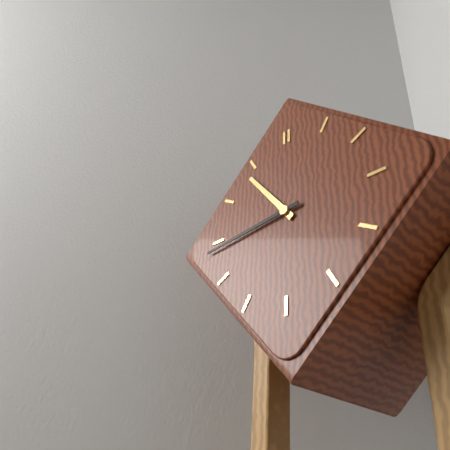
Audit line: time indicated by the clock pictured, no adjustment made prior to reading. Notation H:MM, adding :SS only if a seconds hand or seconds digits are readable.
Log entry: 10:44
